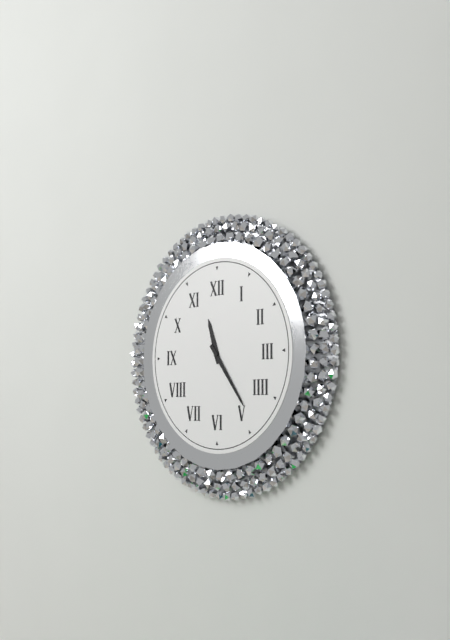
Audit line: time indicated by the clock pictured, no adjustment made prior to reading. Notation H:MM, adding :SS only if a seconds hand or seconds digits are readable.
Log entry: 11:24
